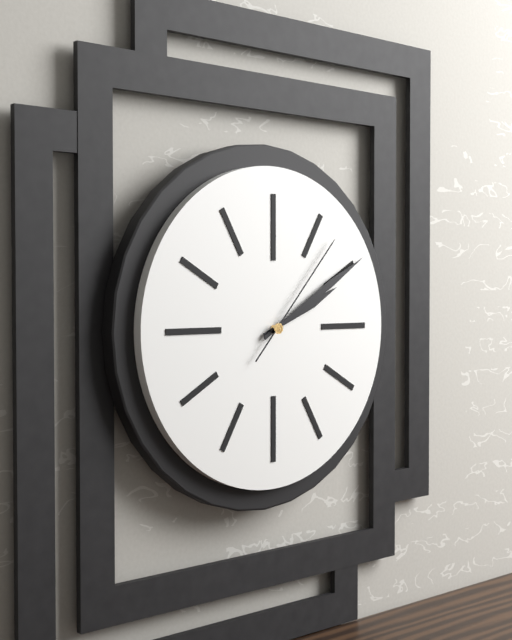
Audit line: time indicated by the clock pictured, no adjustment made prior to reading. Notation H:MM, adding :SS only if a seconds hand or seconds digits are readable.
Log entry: 2:10:07
